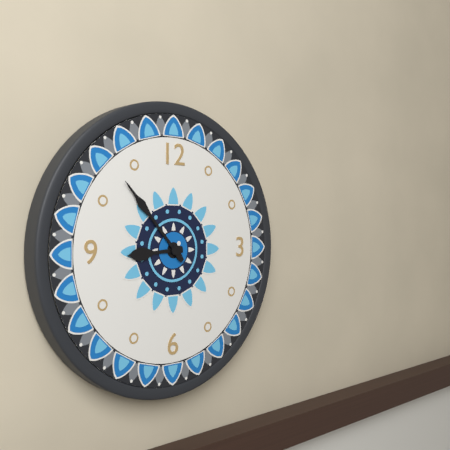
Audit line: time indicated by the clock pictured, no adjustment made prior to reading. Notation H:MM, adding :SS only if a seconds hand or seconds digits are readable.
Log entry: 8:53
